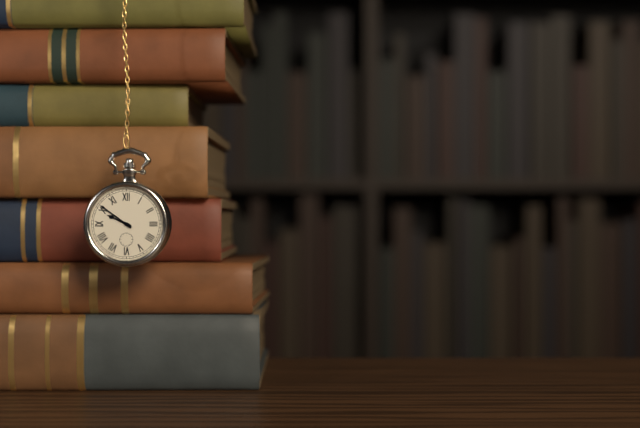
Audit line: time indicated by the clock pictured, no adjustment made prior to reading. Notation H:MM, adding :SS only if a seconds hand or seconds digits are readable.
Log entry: 9:51
